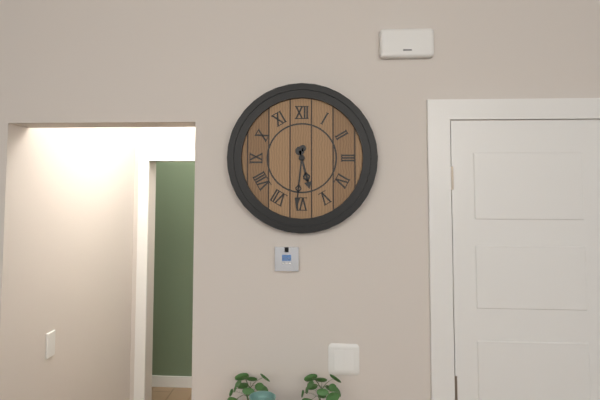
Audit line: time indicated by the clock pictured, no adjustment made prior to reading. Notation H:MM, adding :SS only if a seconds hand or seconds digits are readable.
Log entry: 5:31
